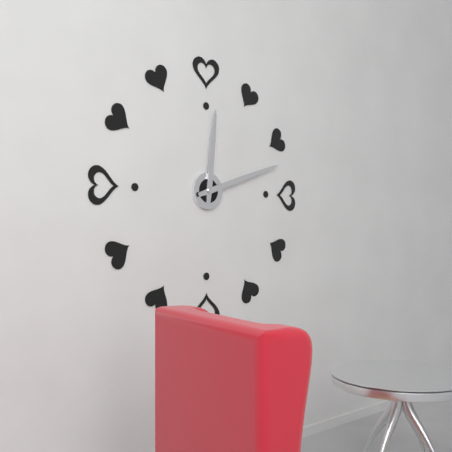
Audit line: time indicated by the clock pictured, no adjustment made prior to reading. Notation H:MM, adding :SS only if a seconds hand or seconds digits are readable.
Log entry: 12:12
